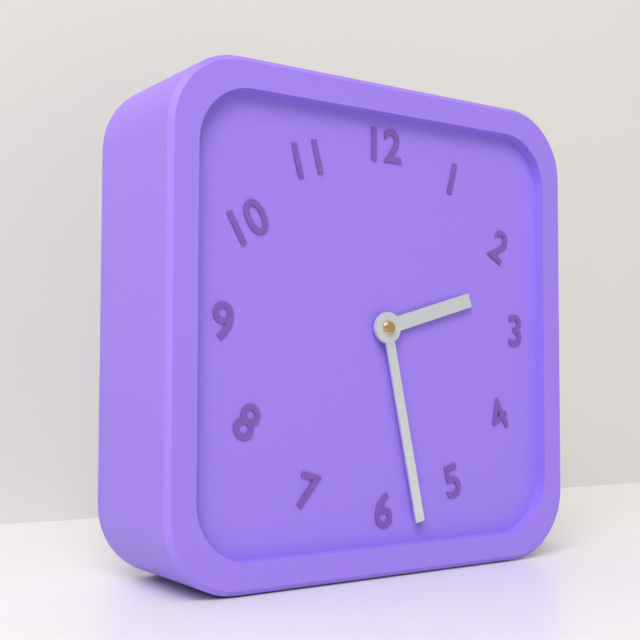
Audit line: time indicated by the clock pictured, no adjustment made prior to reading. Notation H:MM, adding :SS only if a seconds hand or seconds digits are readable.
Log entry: 2:28
